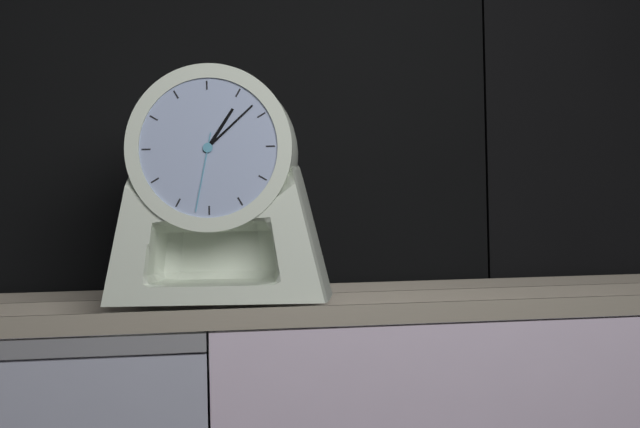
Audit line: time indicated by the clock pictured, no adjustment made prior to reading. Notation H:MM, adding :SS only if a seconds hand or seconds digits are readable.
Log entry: 1:08:32
